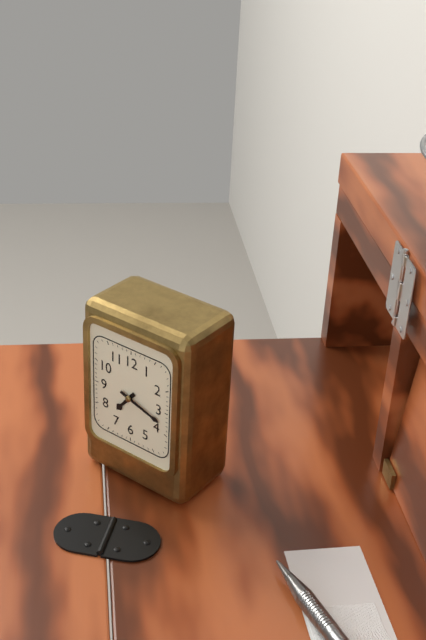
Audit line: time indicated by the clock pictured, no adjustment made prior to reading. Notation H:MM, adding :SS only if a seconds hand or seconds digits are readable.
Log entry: 7:18
